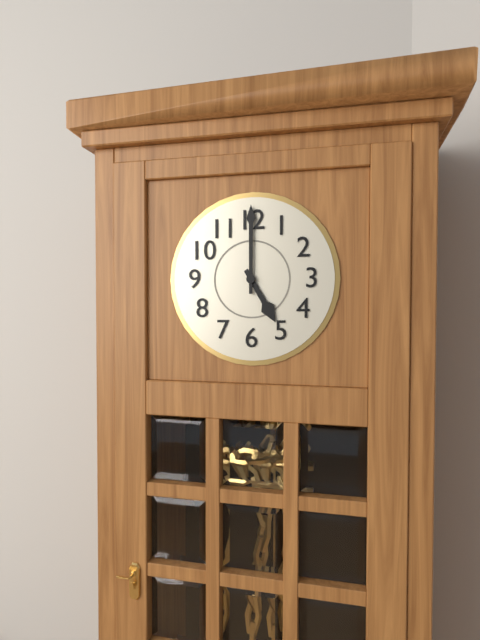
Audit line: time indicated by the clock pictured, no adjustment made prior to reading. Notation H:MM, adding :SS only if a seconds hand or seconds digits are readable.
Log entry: 5:00
